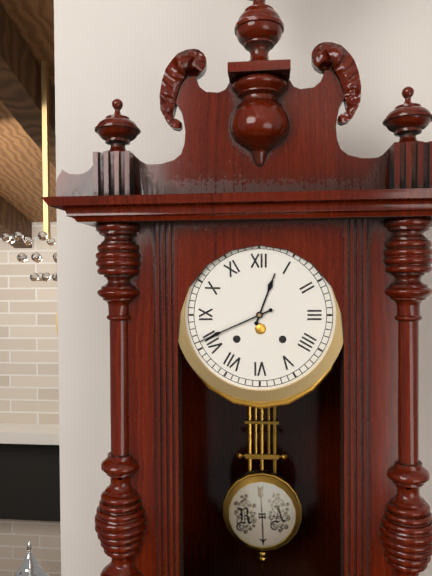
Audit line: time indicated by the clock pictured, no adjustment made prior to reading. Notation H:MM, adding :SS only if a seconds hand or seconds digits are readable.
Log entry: 12:41
